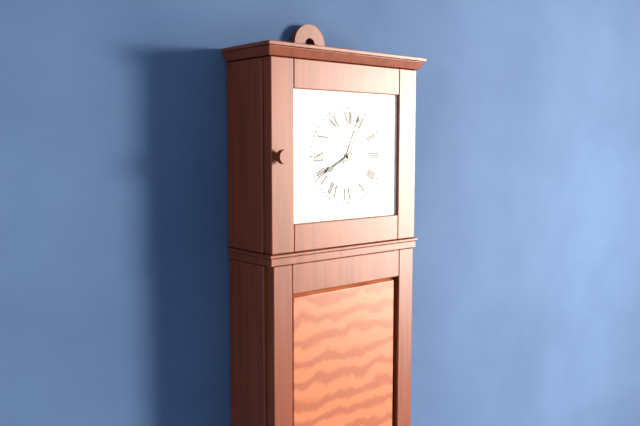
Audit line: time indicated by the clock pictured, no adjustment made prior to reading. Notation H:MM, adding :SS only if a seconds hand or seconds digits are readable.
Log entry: 8:04
